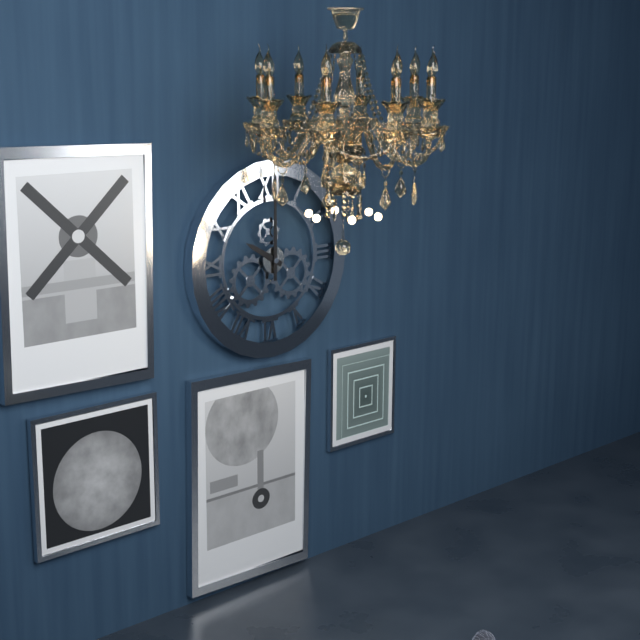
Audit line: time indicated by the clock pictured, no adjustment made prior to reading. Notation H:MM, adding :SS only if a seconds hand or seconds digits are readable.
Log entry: 10:00
